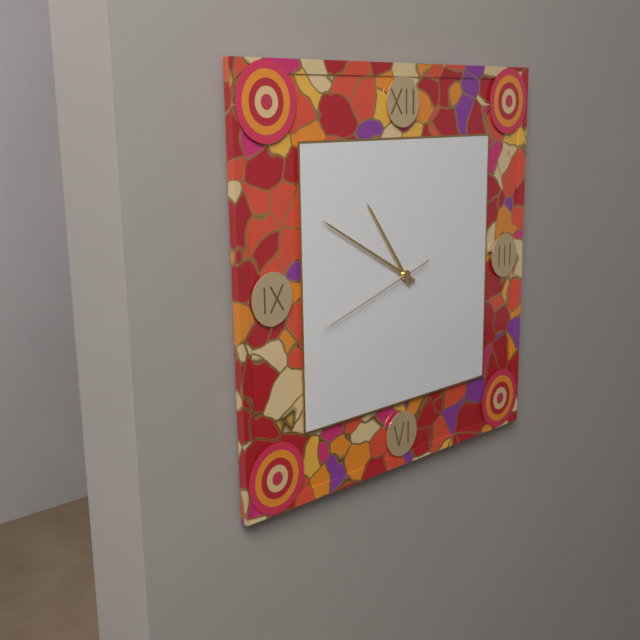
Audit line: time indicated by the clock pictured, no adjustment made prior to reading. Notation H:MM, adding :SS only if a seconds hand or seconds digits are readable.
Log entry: 10:50:42
